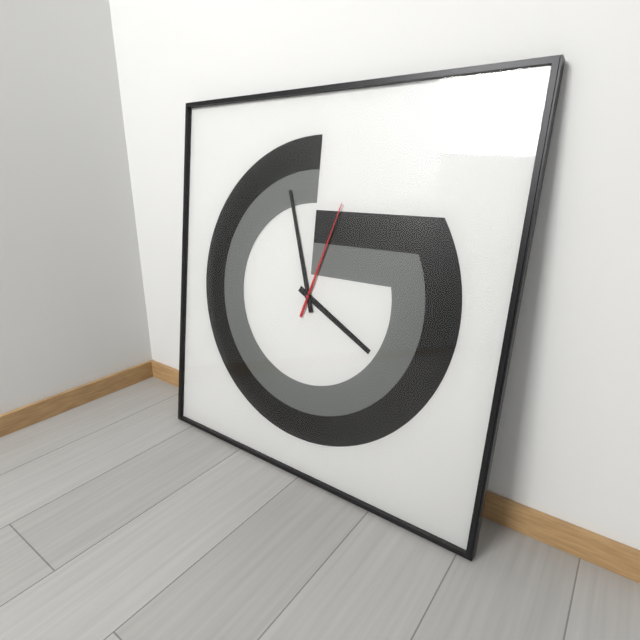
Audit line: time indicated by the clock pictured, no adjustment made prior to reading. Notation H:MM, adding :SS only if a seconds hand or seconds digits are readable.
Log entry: 3:57:03
